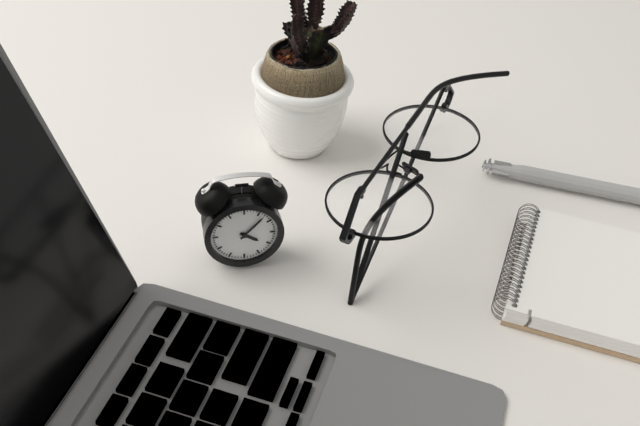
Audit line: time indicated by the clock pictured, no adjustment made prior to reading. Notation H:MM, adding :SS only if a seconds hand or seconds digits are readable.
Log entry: 4:07
